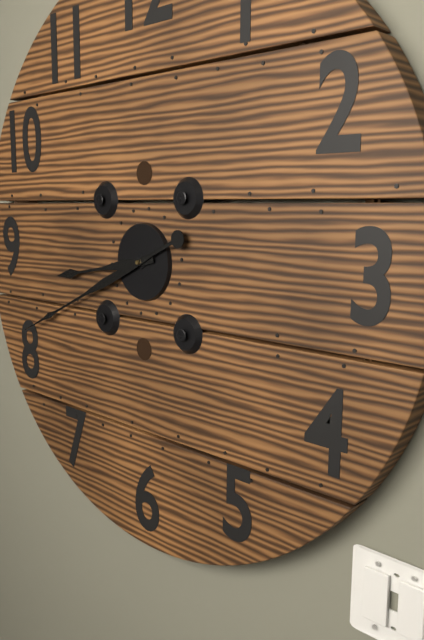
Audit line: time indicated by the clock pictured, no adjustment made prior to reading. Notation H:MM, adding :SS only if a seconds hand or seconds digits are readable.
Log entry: 8:41
